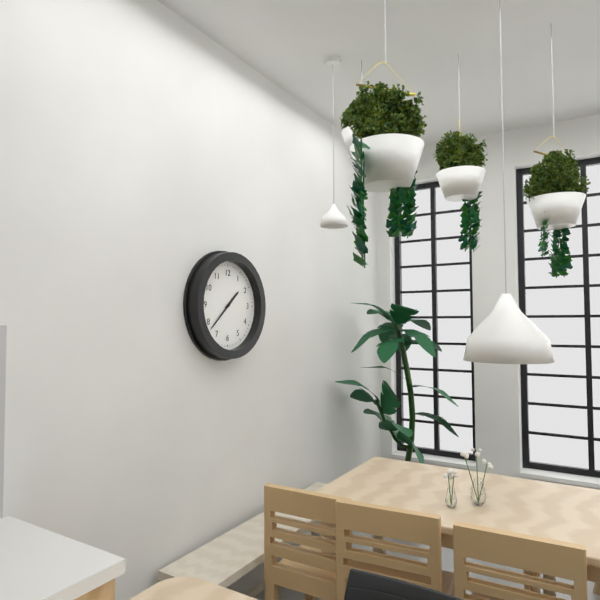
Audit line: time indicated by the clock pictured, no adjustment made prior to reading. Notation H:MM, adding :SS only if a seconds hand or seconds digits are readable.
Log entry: 1:38
